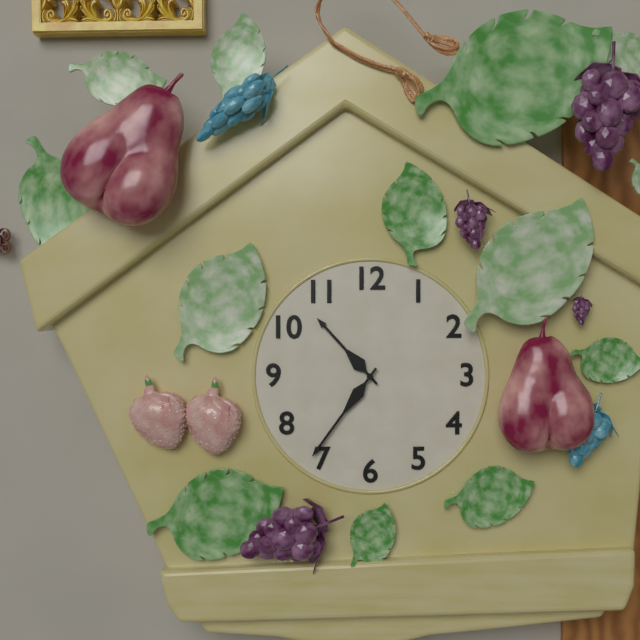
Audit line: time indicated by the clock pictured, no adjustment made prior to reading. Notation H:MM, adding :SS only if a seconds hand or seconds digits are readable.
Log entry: 10:36
